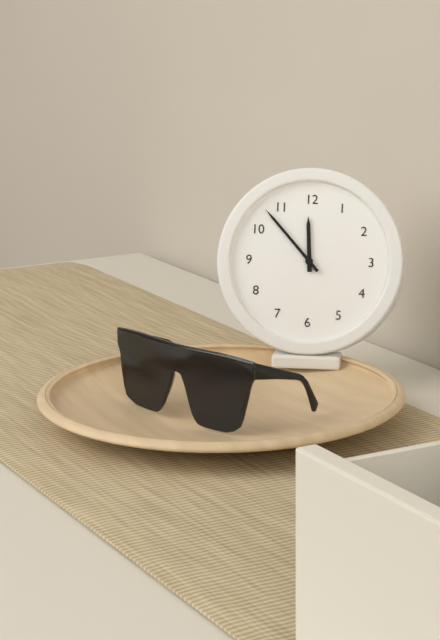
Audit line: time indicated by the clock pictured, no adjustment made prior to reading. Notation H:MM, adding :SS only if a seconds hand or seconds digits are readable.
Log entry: 11:53
